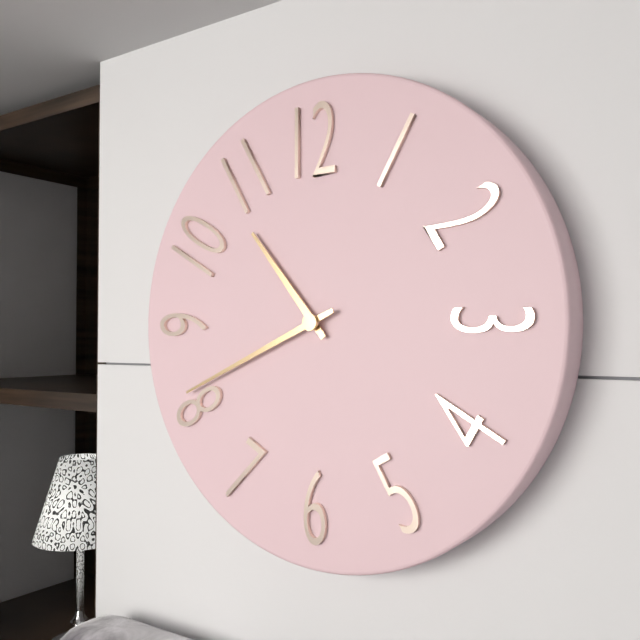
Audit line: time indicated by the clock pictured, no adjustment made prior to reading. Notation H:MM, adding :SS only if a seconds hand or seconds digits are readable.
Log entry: 10:41
